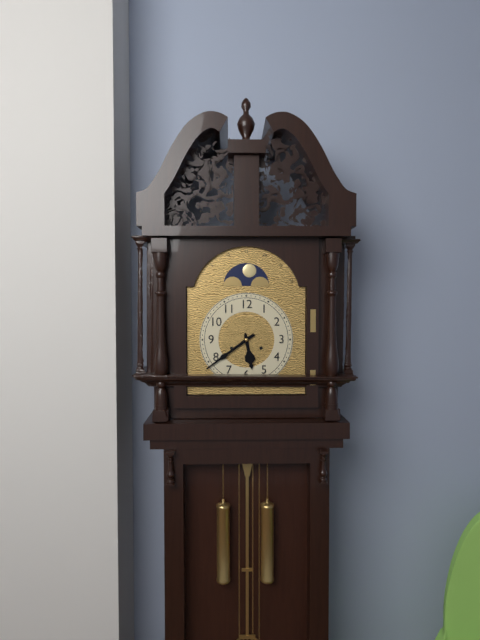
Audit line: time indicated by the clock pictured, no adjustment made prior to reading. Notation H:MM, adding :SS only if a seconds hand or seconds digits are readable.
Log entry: 5:39
